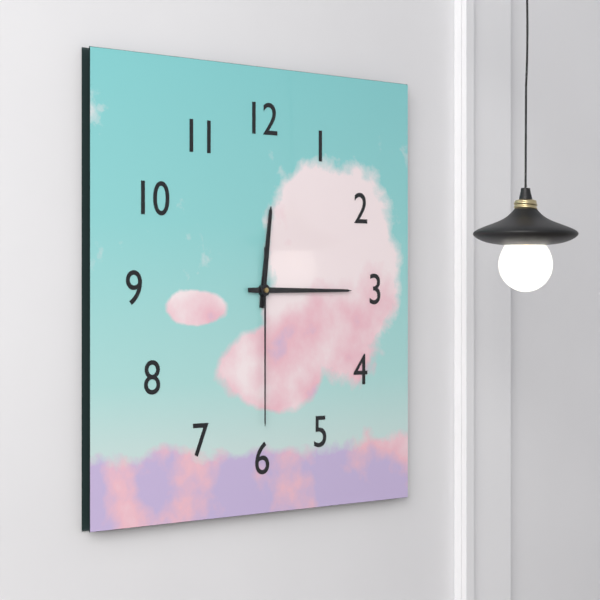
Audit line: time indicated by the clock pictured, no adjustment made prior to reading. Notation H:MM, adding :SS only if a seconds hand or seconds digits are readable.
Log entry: 12:15:30
